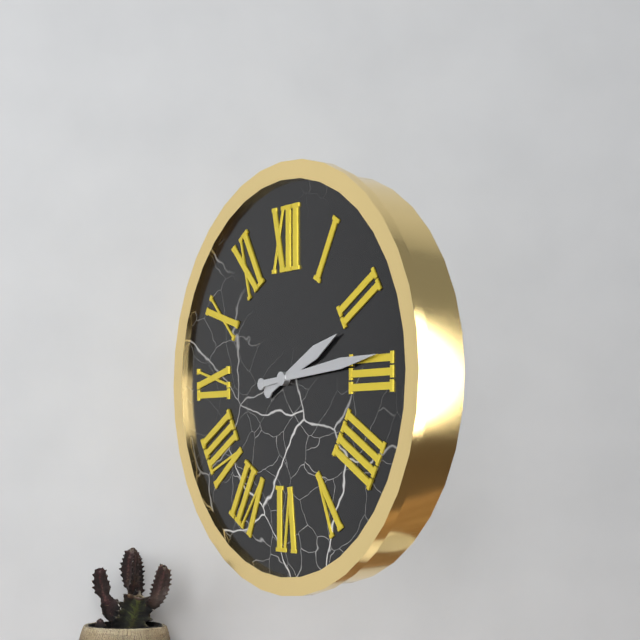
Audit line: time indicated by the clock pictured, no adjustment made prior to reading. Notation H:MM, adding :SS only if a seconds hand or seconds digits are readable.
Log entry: 2:14
